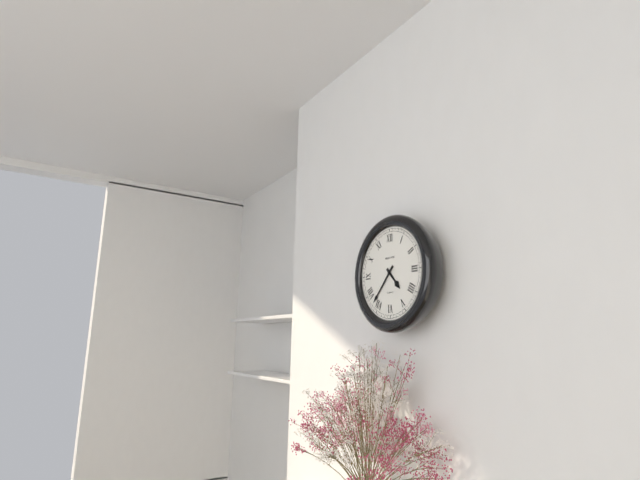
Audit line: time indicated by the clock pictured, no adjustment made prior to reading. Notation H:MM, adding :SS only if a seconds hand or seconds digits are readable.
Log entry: 4:37
